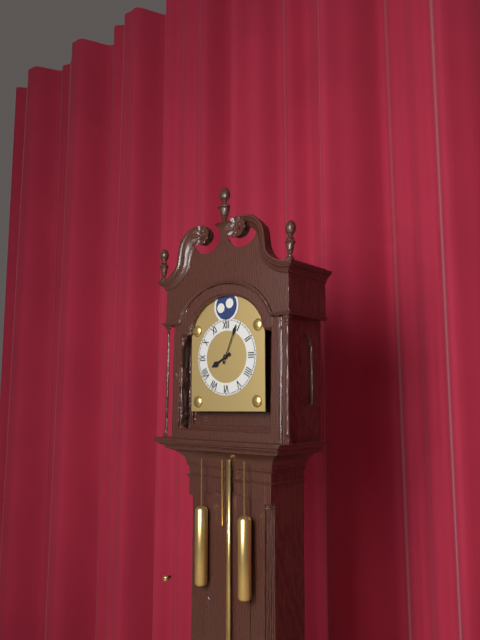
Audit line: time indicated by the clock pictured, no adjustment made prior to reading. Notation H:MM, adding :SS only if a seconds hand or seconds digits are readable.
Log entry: 8:04
